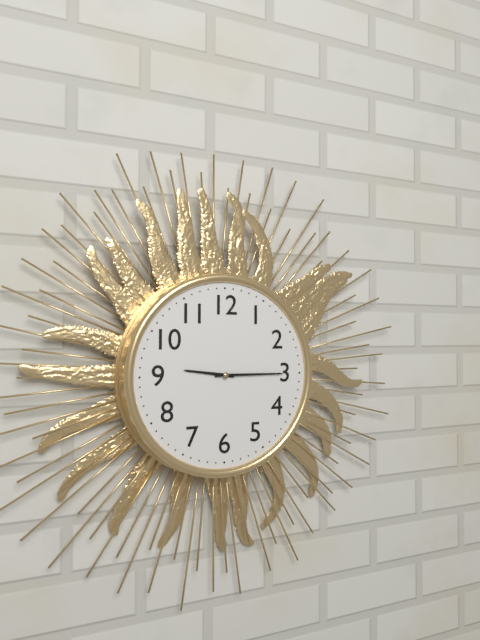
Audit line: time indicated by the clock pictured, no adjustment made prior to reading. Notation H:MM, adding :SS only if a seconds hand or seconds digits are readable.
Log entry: 9:15
